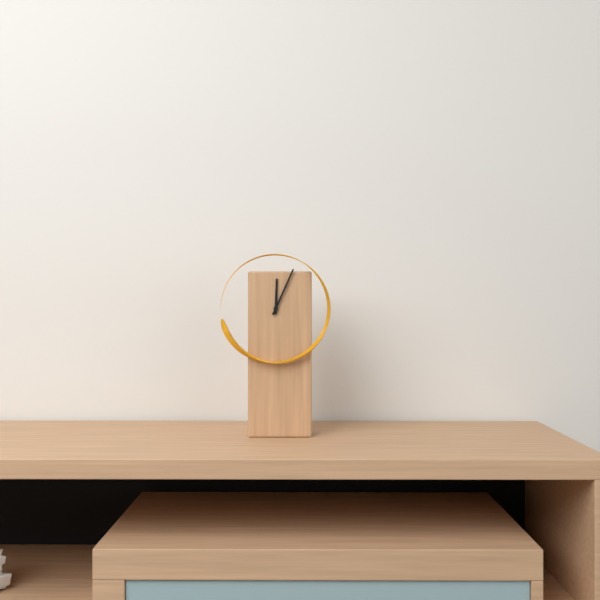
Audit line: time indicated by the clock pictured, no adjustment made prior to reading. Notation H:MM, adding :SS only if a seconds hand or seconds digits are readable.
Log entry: 12:04
